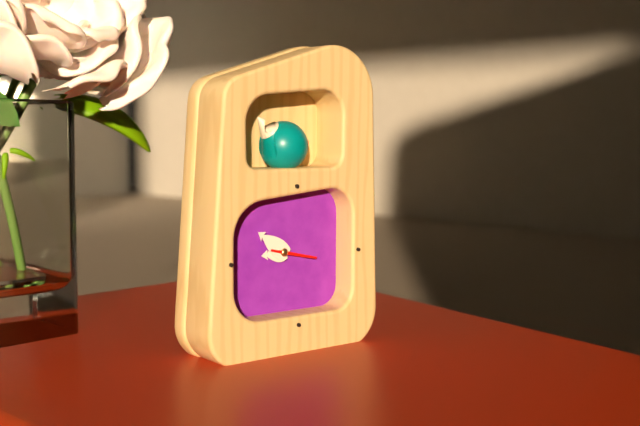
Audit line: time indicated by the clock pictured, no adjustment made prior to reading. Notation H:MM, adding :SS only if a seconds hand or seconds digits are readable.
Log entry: 8:51
